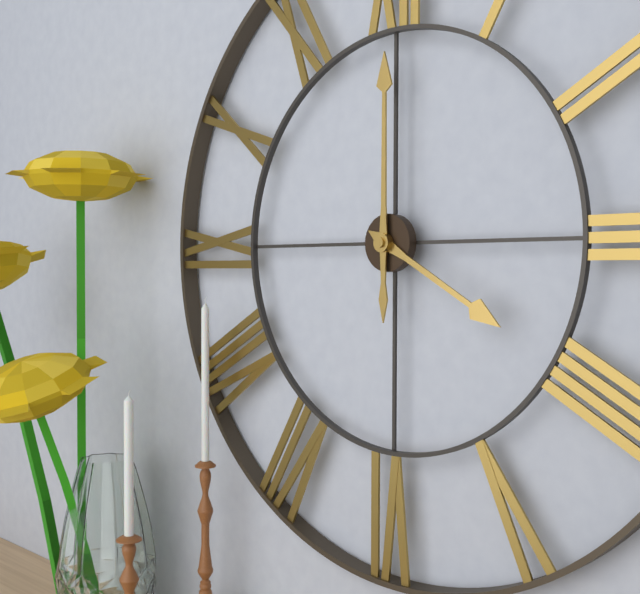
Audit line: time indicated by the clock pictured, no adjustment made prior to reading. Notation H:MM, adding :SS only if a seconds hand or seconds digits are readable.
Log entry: 4:00
